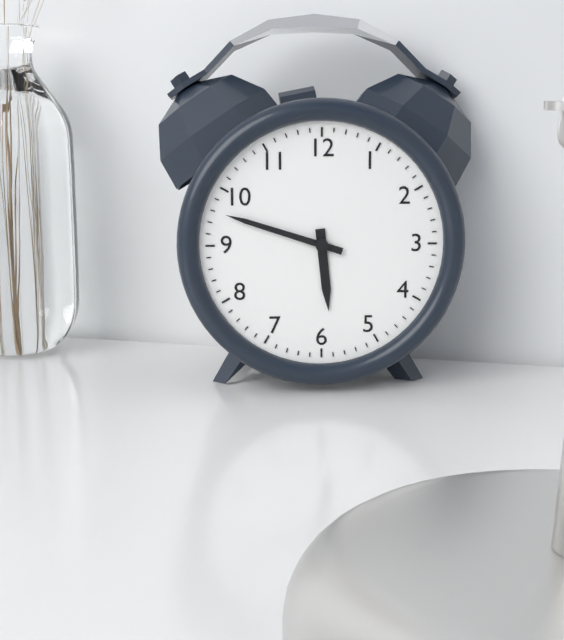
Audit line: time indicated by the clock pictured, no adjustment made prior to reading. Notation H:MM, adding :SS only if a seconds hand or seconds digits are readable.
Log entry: 5:48
